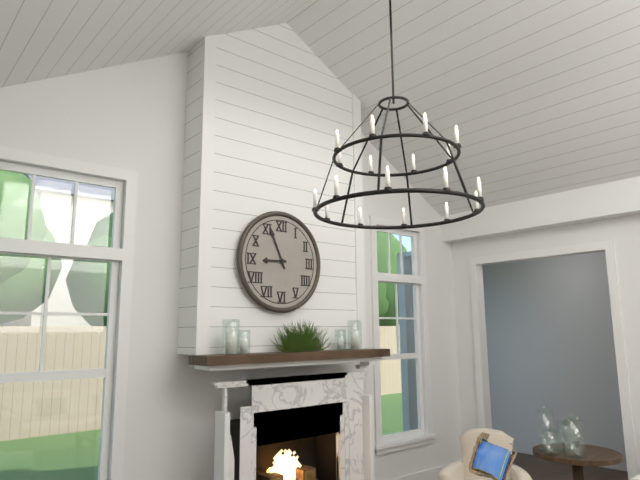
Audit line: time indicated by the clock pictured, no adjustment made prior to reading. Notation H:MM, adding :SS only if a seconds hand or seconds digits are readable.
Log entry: 8:56
